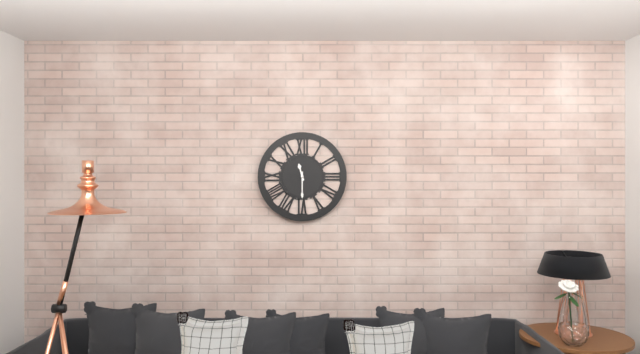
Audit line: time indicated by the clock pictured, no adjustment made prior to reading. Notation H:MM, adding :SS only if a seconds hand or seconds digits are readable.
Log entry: 11:30
